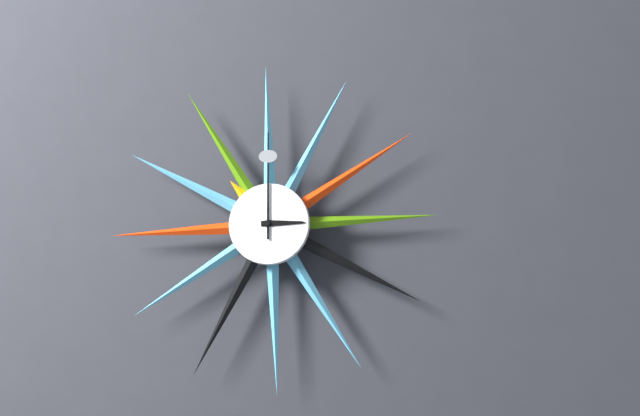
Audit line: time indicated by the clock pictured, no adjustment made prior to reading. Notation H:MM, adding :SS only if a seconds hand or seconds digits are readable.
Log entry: 3:00
